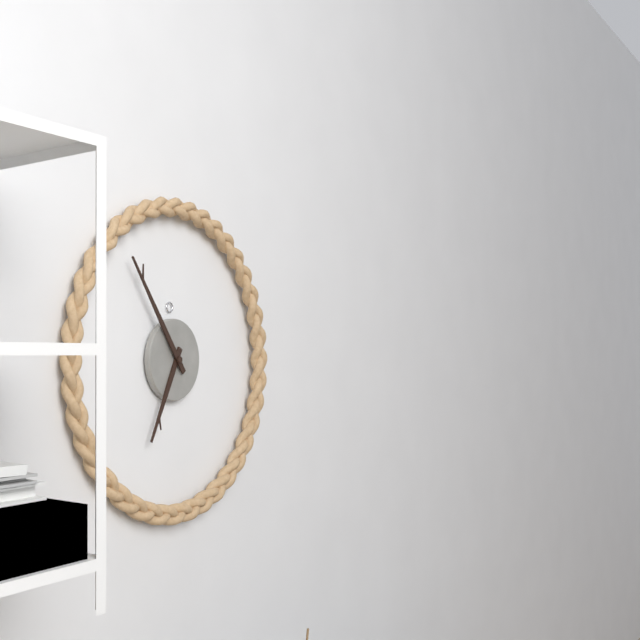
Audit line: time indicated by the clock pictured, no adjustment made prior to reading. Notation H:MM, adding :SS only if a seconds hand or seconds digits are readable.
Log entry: 6:54
